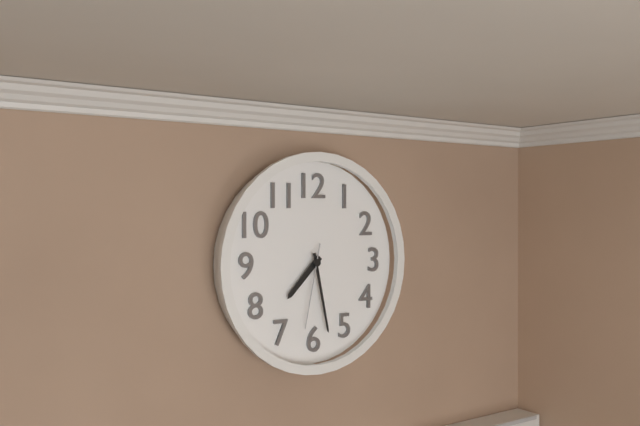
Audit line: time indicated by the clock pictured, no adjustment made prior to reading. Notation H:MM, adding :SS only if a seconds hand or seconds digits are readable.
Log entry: 7:28:32
